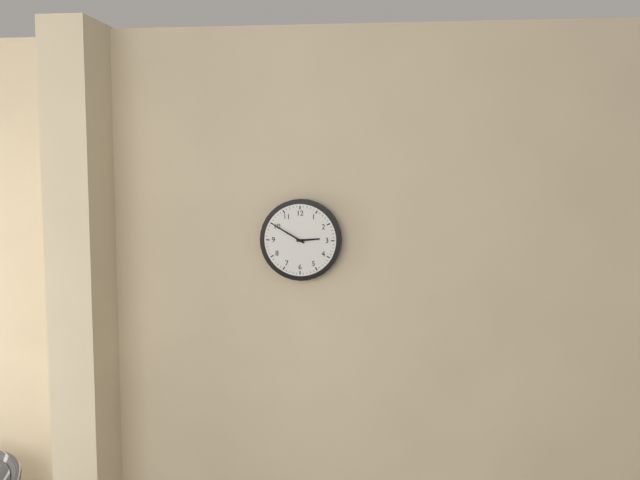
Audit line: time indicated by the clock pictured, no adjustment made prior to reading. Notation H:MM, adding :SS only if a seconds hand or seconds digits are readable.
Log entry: 2:50
